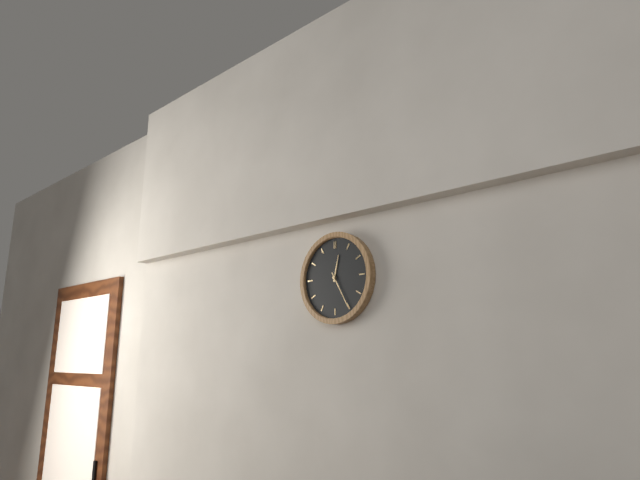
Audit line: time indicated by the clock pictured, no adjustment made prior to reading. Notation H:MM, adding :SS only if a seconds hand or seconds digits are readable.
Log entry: 12:25
